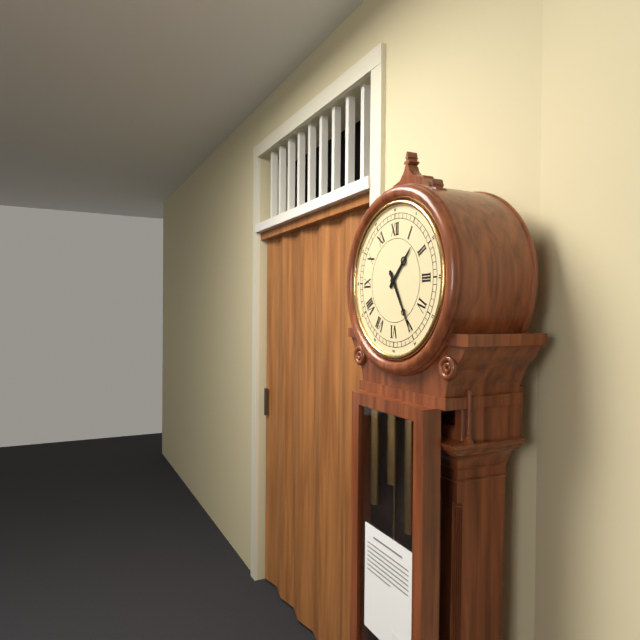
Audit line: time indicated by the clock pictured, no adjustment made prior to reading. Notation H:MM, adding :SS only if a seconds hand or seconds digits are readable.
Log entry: 1:25
